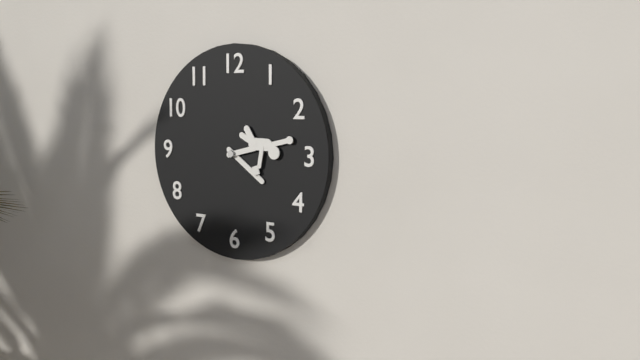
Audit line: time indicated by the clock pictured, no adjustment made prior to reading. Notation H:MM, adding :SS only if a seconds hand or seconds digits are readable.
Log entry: 4:12
